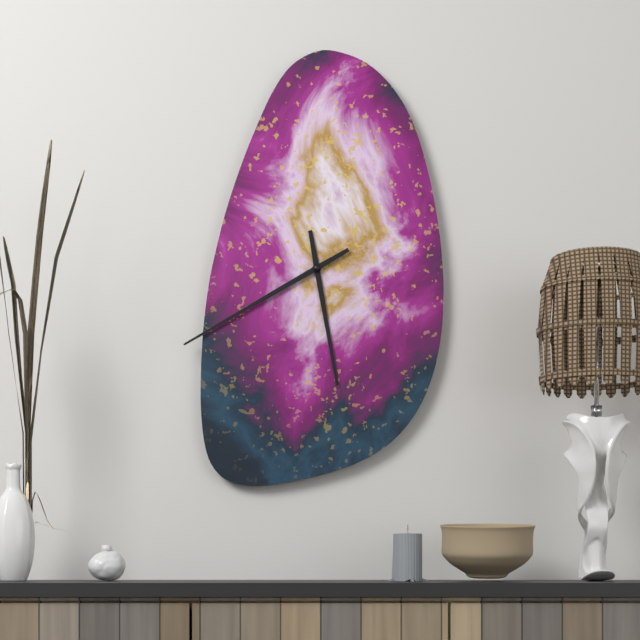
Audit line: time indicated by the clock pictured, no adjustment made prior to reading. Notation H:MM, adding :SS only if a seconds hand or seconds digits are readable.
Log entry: 5:40
